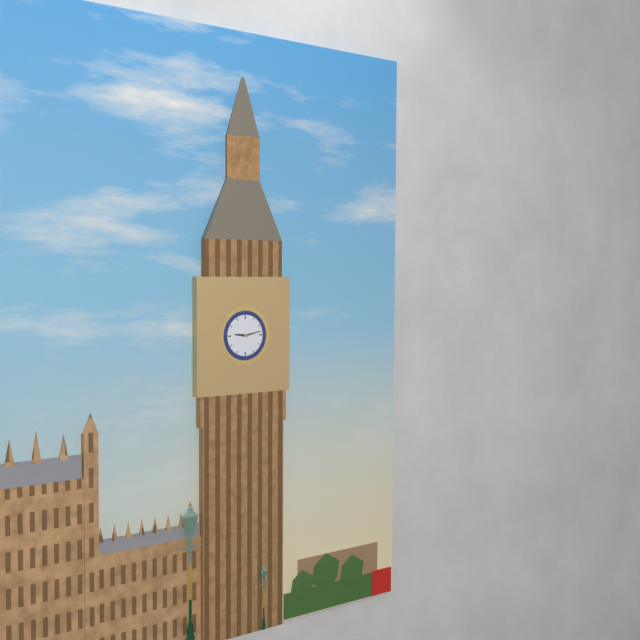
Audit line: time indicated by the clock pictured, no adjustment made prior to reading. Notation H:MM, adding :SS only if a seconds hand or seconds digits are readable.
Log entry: 9:13
